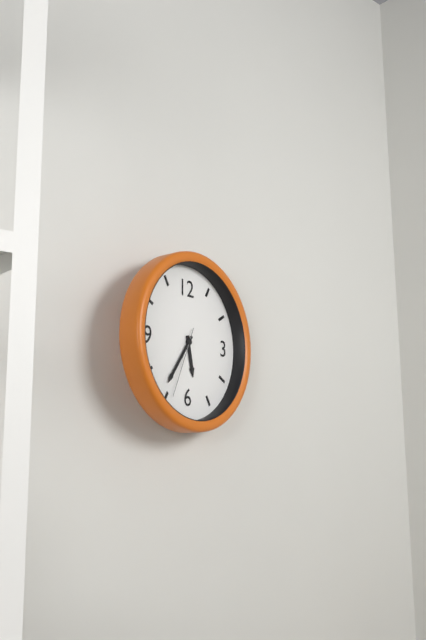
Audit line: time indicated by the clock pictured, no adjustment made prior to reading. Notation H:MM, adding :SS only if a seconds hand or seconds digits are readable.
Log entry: 5:36:34
